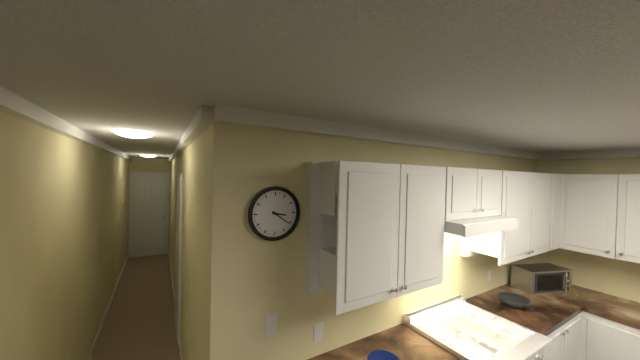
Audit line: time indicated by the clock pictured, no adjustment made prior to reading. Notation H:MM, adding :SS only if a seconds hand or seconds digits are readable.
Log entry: 3:21
